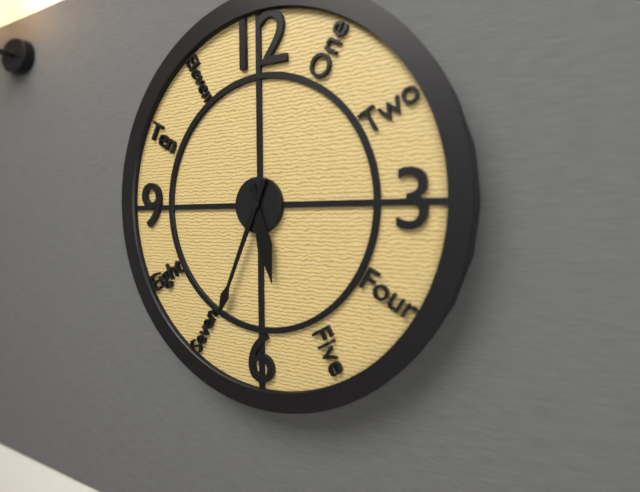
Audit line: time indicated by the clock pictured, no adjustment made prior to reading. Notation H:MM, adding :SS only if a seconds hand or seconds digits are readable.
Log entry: 5:34
